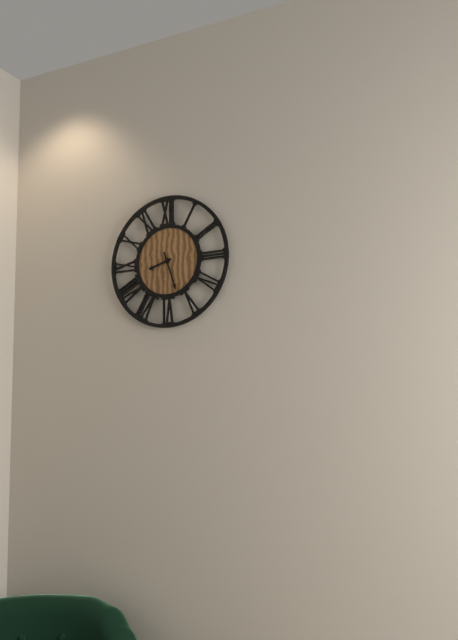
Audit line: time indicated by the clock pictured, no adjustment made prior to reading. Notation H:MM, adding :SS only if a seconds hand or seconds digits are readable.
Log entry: 8:27
